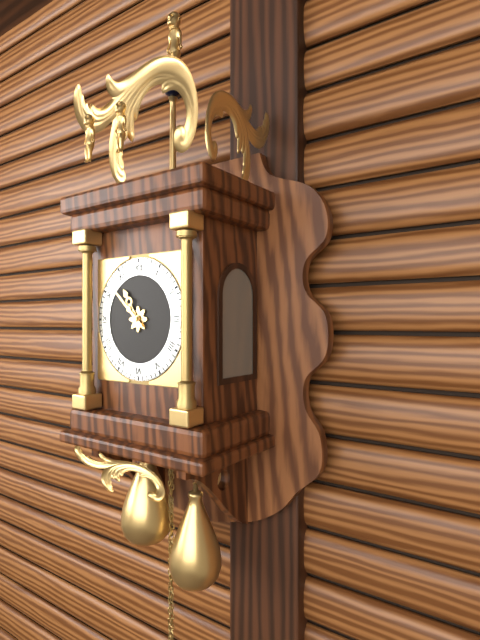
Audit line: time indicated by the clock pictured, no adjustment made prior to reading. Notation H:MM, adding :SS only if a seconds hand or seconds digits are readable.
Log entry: 10:52
